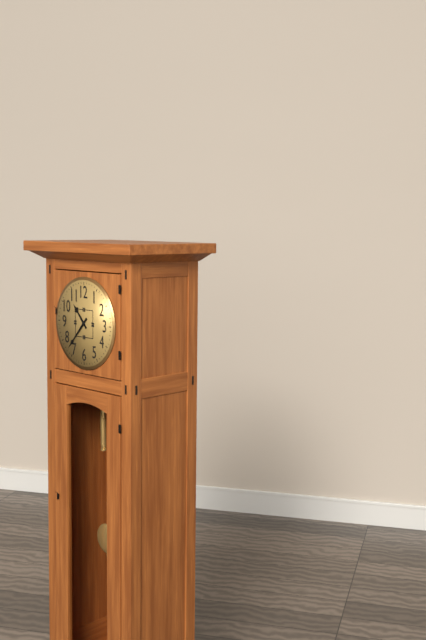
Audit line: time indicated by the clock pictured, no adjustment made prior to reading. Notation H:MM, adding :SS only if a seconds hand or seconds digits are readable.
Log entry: 10:37
